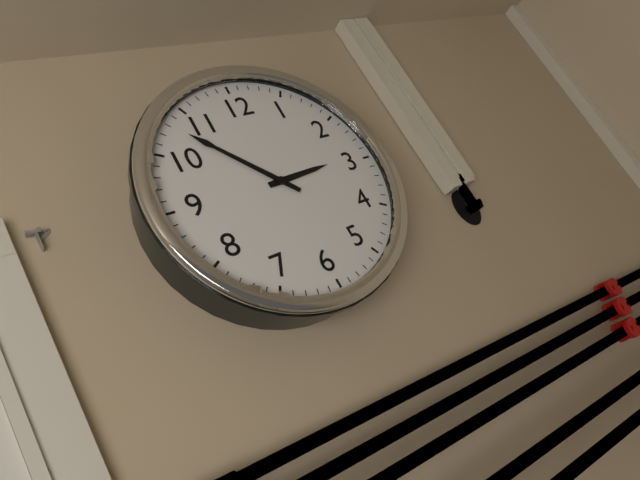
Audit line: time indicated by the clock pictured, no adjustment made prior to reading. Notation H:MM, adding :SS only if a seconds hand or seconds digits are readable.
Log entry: 2:53
